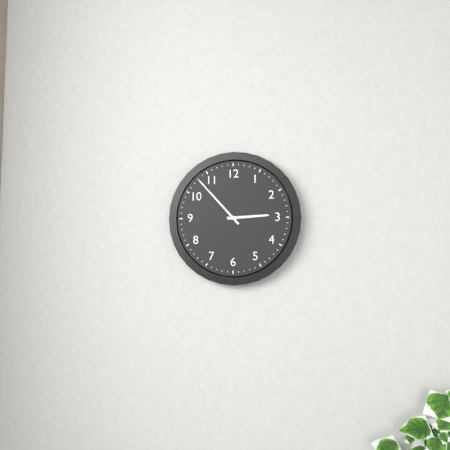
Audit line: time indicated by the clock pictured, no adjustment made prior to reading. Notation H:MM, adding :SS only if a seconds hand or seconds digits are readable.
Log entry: 2:53
